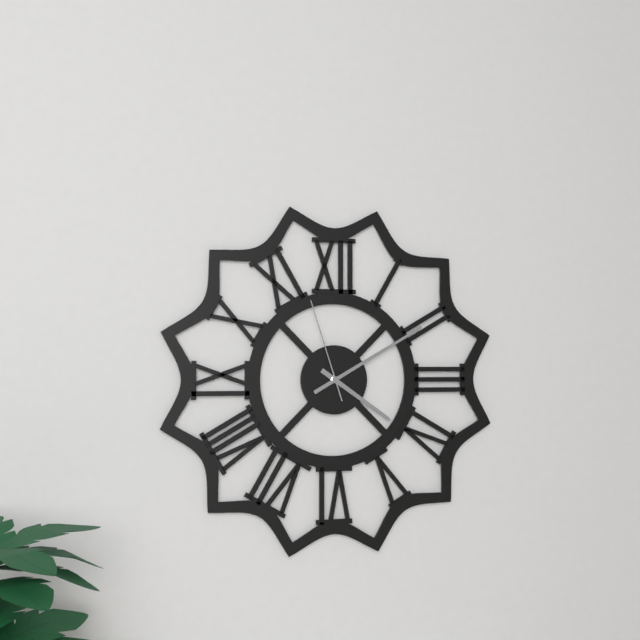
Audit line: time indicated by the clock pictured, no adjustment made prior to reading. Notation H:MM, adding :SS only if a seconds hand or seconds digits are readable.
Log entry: 4:10:57
